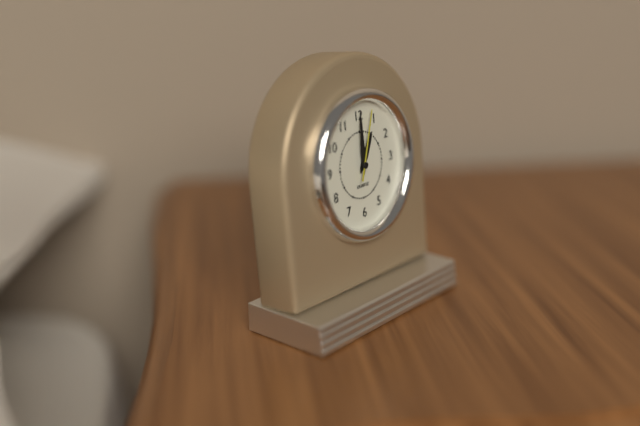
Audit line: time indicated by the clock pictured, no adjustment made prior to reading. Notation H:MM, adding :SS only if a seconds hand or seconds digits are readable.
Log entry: 1:00:03
